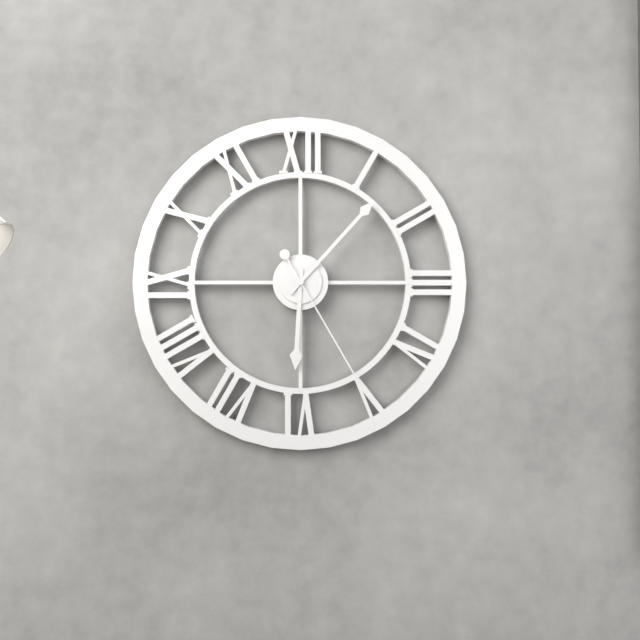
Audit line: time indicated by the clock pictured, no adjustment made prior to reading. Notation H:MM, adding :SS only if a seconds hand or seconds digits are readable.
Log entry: 6:07:25
